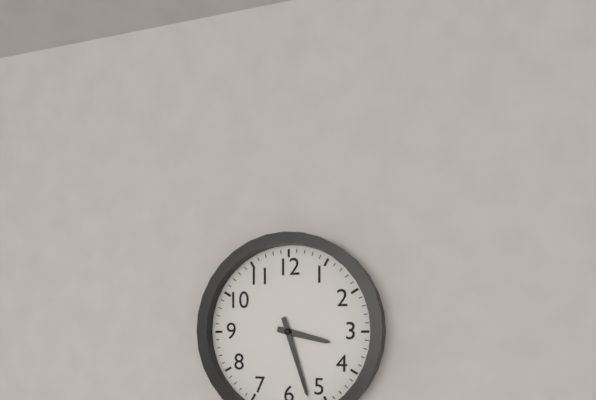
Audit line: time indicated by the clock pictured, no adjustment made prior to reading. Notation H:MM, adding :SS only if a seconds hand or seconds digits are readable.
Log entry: 3:27
